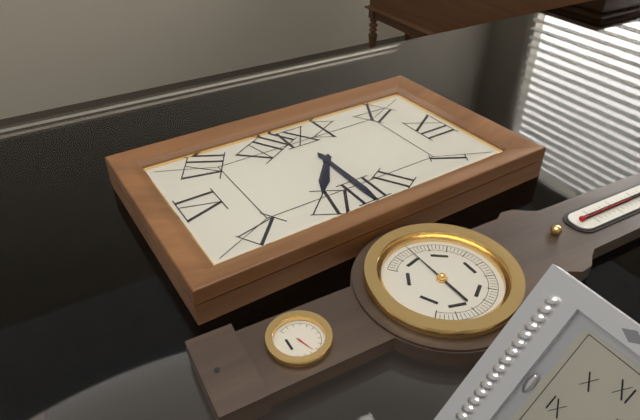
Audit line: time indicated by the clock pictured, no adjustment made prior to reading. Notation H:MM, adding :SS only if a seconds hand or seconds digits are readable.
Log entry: 4:15
